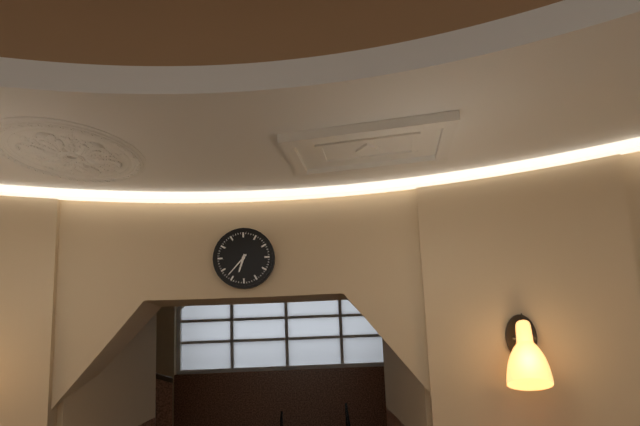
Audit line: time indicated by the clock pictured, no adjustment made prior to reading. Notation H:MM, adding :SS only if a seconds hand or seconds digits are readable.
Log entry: 6:37
